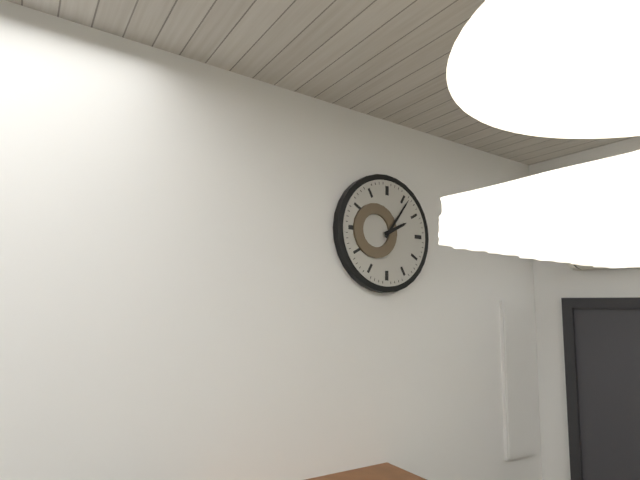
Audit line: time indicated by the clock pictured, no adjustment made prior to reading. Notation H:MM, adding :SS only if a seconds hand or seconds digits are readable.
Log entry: 2:06
